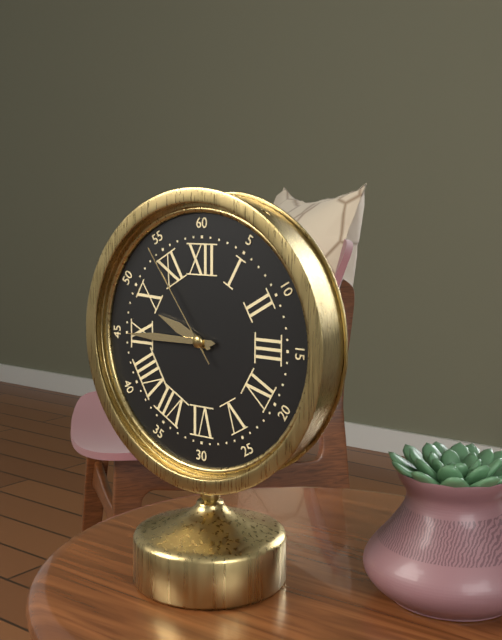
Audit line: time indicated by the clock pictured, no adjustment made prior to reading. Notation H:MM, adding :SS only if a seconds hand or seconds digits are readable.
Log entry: 9:45:54
